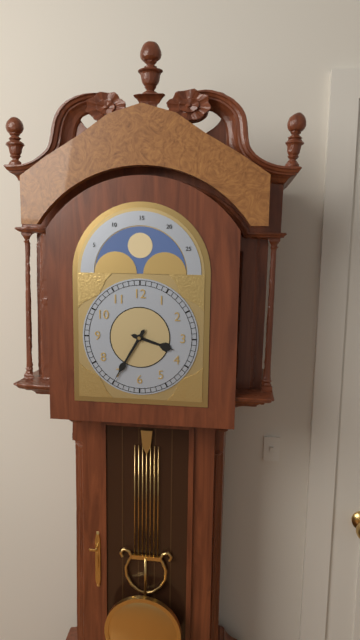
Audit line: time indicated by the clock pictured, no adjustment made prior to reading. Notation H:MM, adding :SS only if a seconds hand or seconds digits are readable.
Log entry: 3:35
